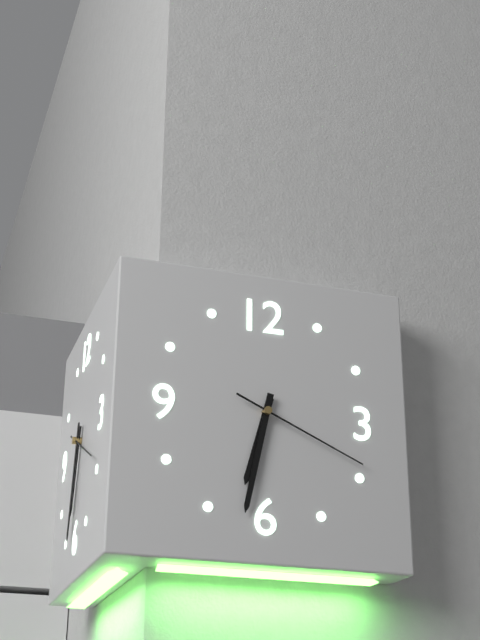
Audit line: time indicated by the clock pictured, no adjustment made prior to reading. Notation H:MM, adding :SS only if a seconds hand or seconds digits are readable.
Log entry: 6:32:19
